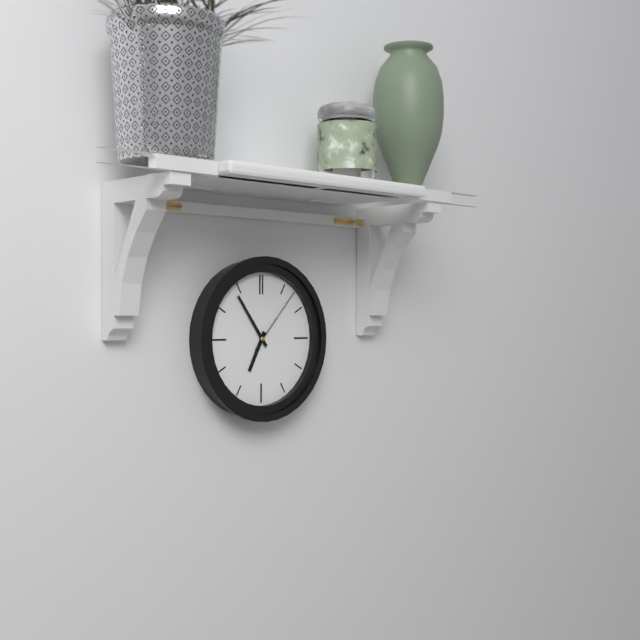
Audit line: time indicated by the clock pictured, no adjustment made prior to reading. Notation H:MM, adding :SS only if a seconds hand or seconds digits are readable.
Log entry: 6:54:07
